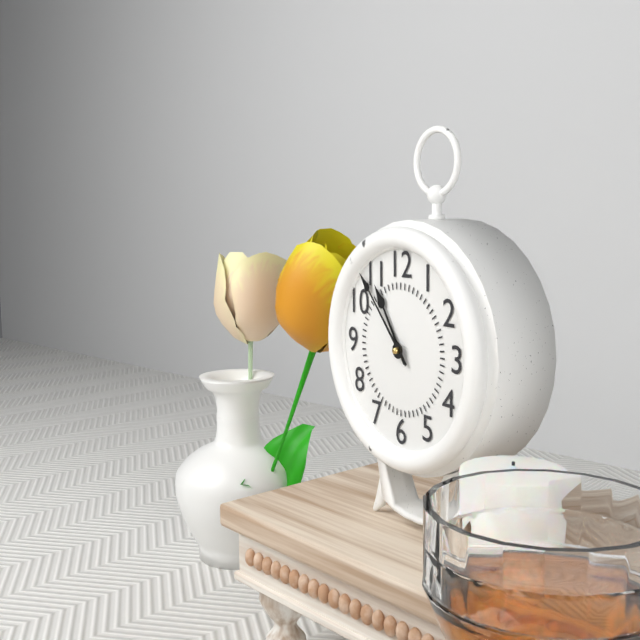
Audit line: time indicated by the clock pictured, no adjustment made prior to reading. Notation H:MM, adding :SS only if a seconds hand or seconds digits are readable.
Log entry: 10:53
